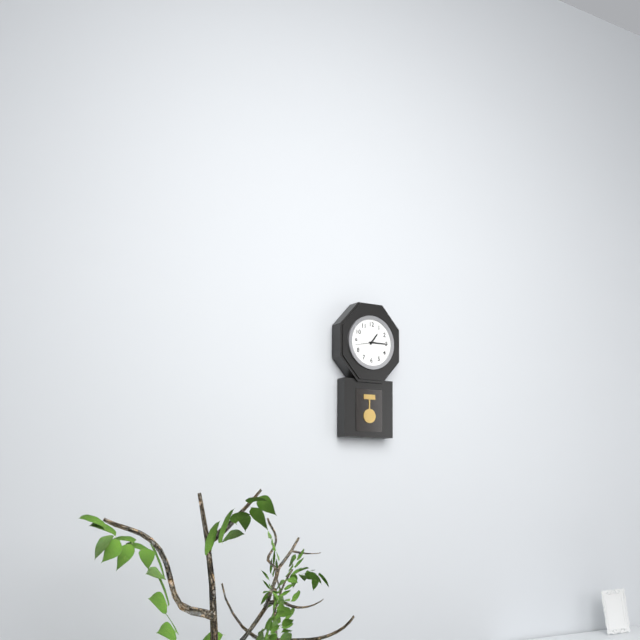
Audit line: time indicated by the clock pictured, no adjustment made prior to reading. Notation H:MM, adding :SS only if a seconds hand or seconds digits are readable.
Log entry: 1:15
